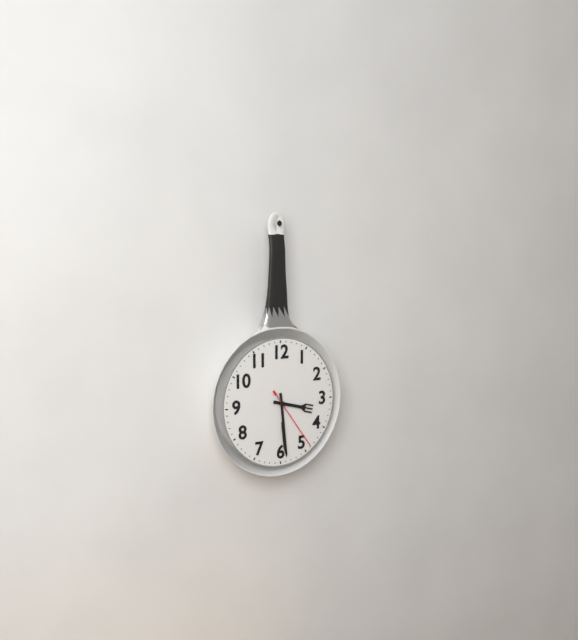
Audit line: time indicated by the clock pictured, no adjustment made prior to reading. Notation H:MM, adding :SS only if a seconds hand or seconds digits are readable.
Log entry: 3:29:24
